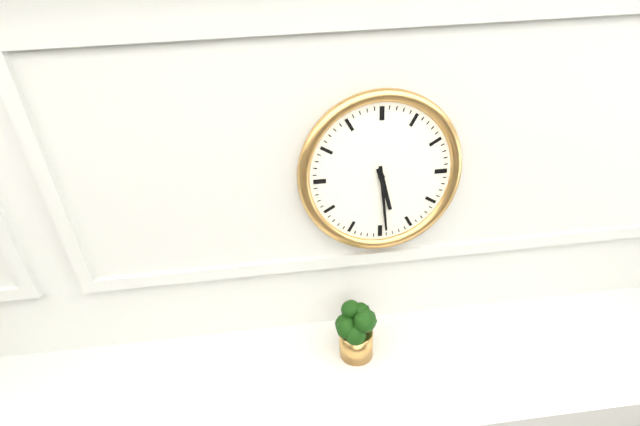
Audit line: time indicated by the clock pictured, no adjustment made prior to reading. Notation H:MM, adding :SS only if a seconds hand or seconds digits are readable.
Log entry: 5:29
